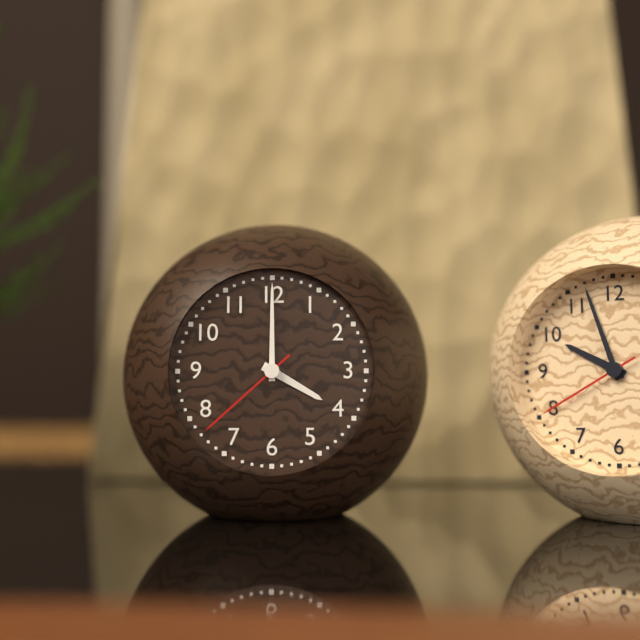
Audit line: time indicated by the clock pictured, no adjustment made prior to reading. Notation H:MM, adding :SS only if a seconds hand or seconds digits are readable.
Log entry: 4:00:38
